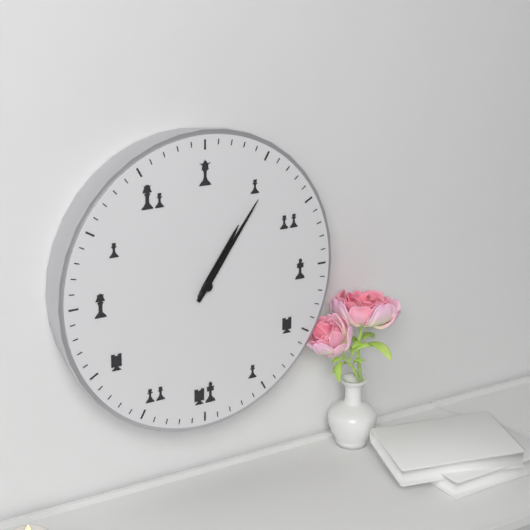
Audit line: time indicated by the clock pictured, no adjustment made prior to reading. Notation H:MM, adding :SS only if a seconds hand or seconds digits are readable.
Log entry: 1:06
